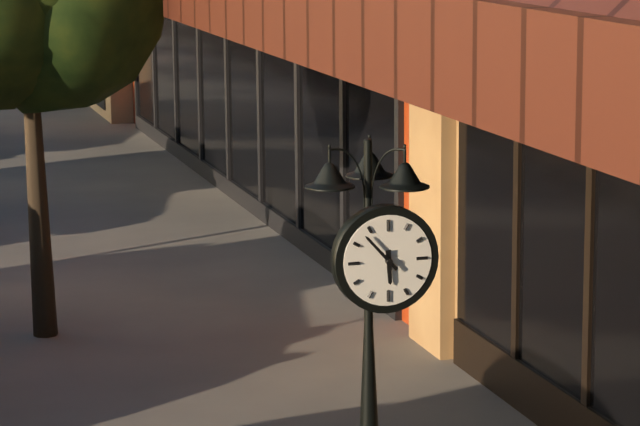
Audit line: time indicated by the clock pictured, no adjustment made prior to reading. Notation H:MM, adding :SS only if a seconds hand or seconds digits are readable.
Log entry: 5:53
